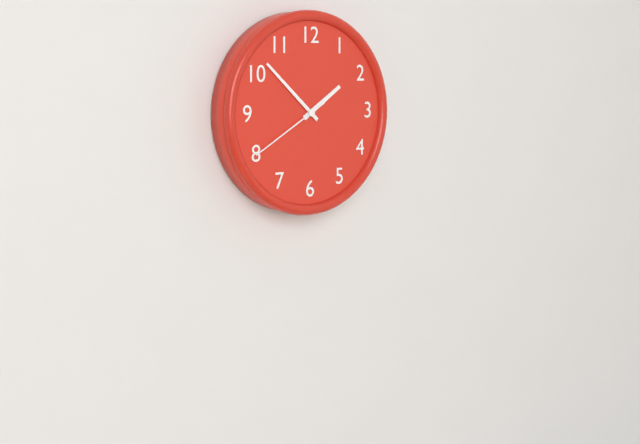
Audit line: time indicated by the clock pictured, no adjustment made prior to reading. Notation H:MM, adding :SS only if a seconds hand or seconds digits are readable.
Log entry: 1:52:40
